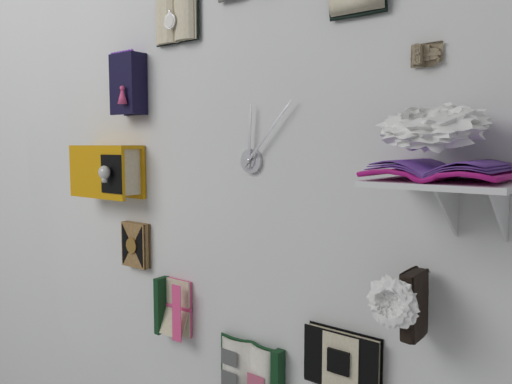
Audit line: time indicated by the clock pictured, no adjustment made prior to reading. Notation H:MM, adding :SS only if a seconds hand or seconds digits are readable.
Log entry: 12:07
